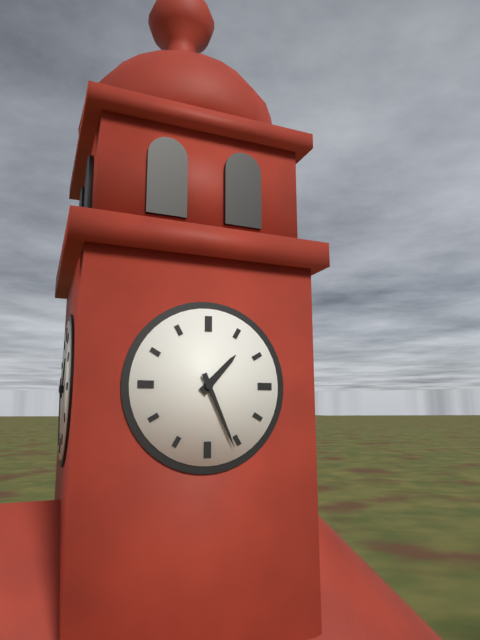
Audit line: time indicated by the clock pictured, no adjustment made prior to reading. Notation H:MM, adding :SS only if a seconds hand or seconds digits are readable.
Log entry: 1:26
